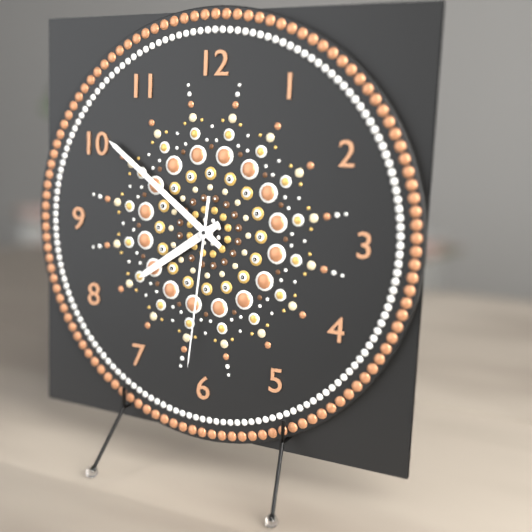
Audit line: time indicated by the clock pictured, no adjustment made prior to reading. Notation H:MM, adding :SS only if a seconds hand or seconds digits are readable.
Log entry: 7:51:31
